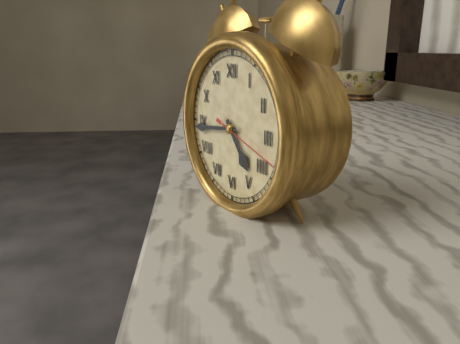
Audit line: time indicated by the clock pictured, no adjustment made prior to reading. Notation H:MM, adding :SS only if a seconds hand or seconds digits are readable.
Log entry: 4:44:18
